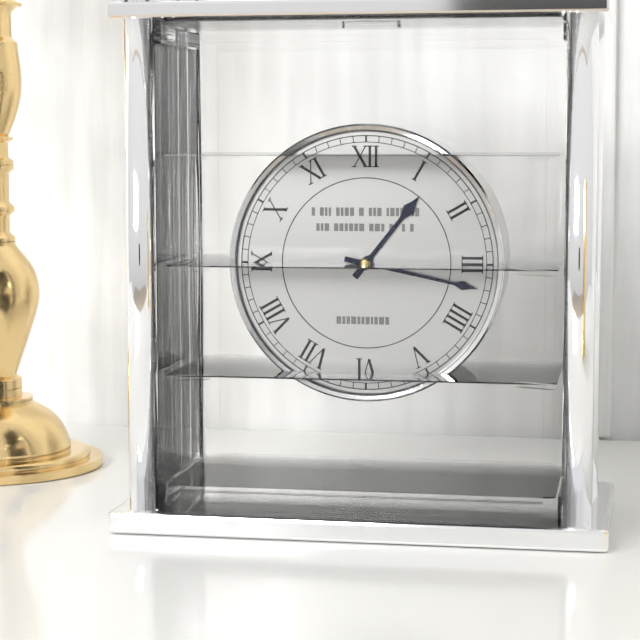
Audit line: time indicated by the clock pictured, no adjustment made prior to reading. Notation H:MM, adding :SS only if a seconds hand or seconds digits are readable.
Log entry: 1:17
